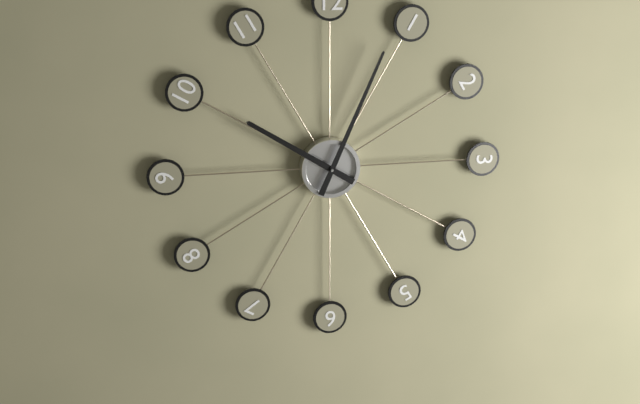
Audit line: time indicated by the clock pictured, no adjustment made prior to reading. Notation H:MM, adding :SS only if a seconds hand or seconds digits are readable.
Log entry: 10:04
